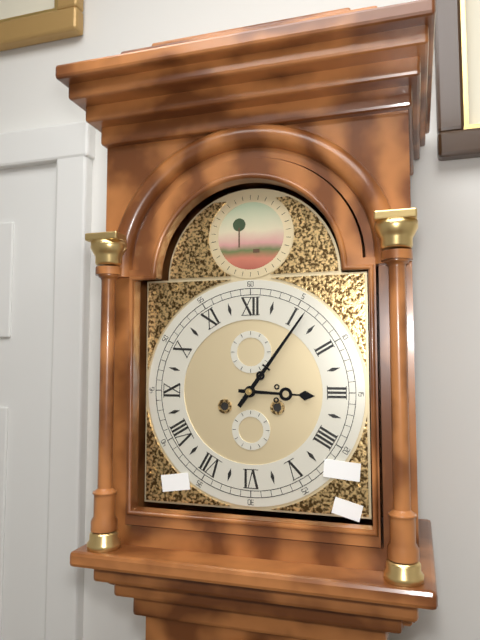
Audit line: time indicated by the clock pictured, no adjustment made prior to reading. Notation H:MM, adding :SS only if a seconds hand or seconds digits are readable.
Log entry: 3:06
